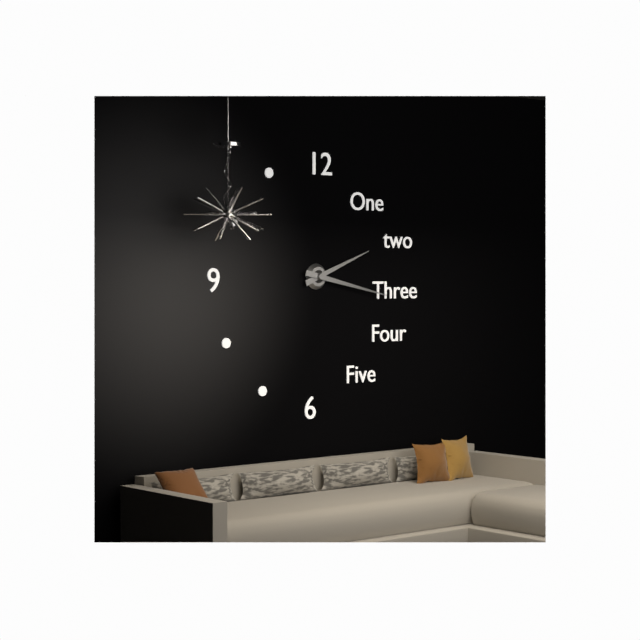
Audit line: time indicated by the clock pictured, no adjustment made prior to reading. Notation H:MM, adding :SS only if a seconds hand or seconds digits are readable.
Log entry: 2:17
